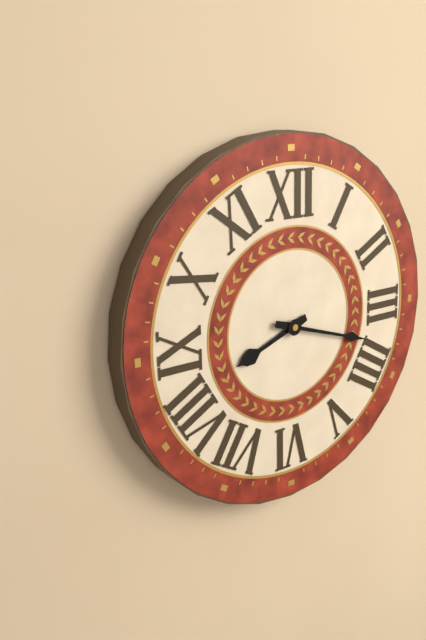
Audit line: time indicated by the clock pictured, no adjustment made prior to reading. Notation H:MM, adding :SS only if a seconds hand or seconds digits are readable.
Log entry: 8:18
